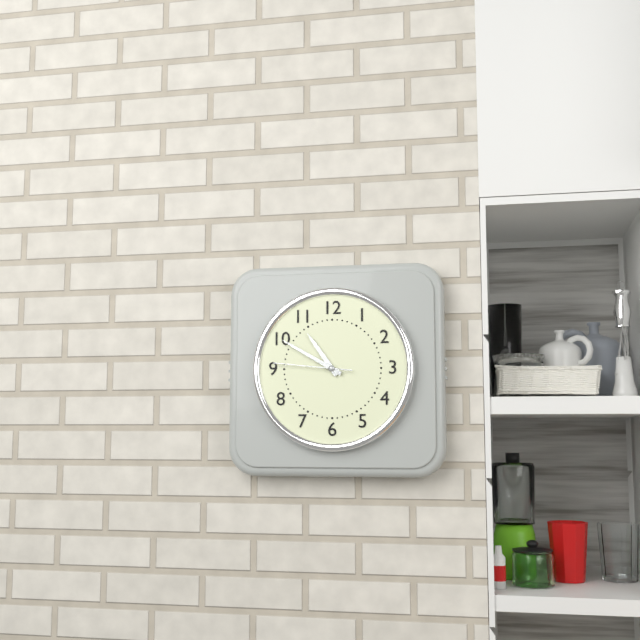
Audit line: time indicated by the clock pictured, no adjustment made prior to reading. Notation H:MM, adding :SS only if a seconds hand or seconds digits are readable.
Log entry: 10:50:46
